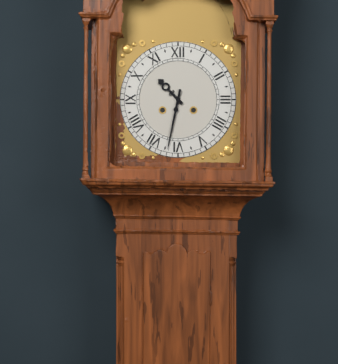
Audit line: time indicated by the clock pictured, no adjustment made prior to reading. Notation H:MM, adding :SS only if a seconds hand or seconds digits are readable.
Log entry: 10:32
